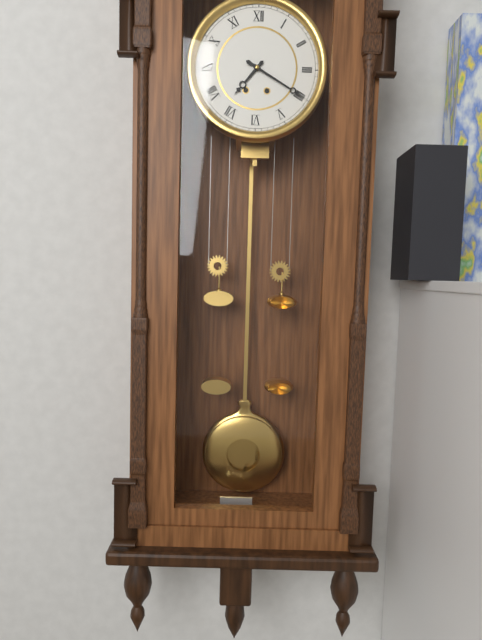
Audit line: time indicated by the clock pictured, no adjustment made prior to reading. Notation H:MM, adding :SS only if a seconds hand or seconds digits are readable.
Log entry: 7:20
